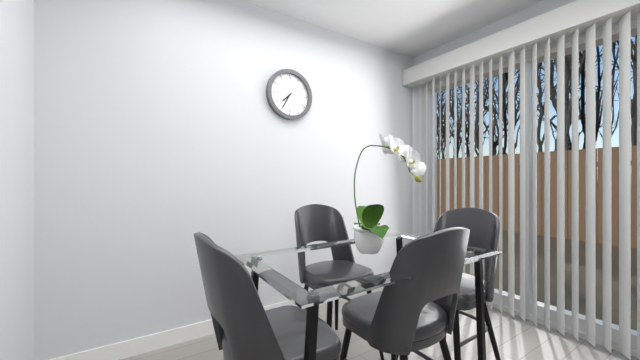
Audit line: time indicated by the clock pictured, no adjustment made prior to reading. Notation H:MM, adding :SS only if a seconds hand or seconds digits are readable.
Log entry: 7:35
